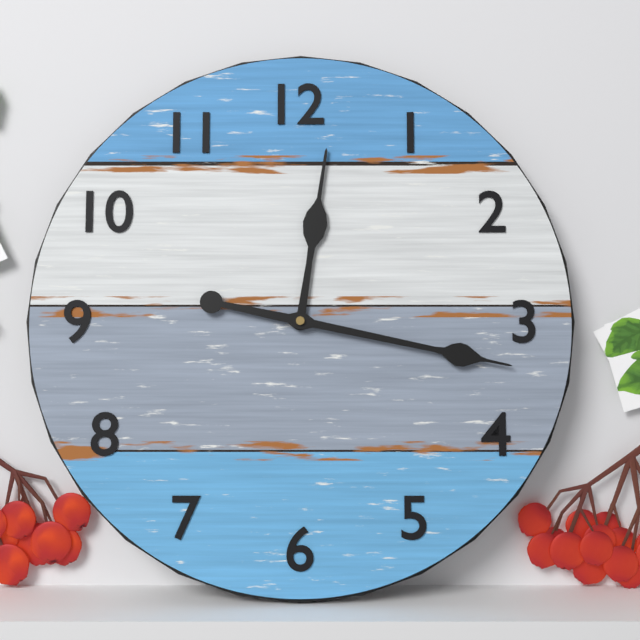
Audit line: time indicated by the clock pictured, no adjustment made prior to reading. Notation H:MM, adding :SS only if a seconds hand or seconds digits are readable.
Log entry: 12:17
